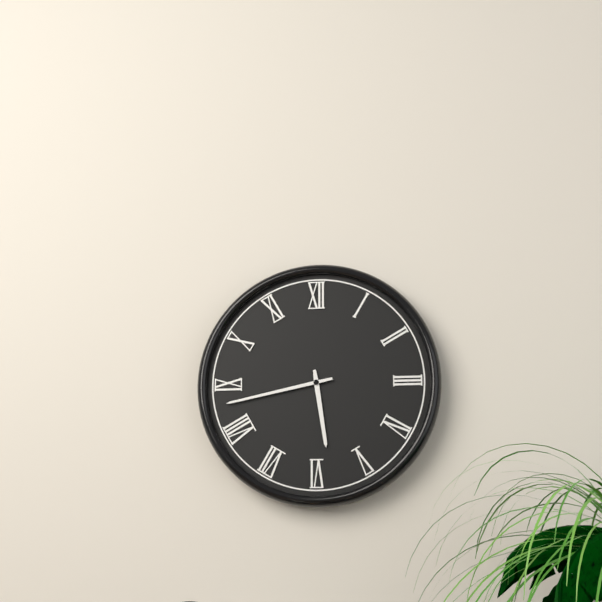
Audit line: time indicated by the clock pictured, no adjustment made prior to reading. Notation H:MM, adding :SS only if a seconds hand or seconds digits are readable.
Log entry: 5:43
